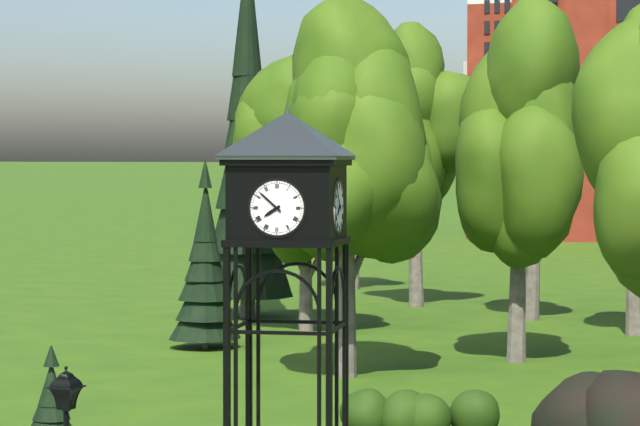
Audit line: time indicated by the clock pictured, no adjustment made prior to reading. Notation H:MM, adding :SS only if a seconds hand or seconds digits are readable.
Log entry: 7:52
